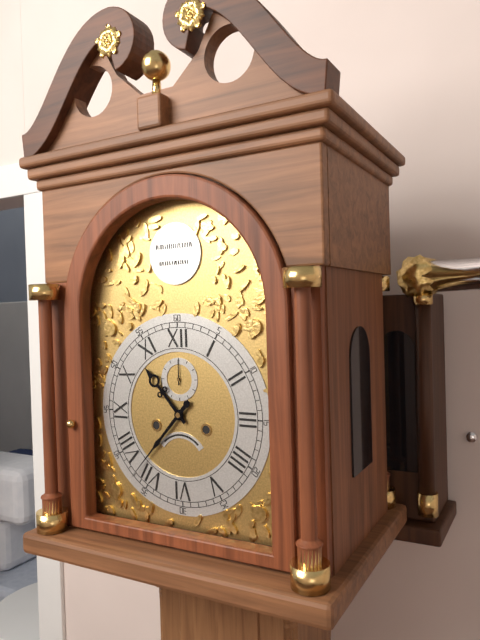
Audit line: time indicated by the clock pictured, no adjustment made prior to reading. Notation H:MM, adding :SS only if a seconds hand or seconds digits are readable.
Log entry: 10:37
